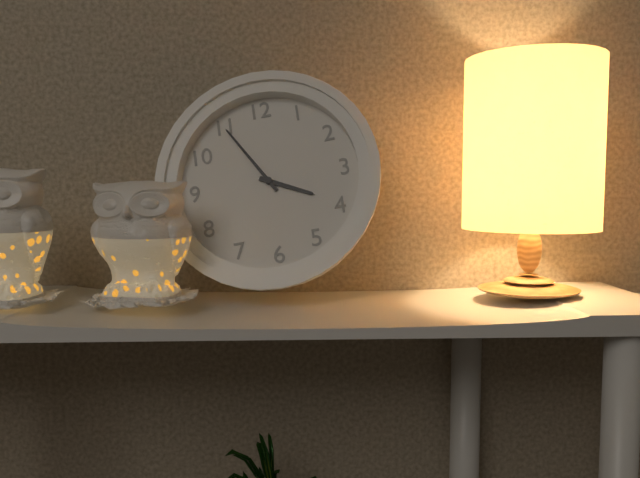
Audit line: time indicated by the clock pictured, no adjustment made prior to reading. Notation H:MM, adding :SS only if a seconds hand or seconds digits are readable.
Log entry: 3:55
